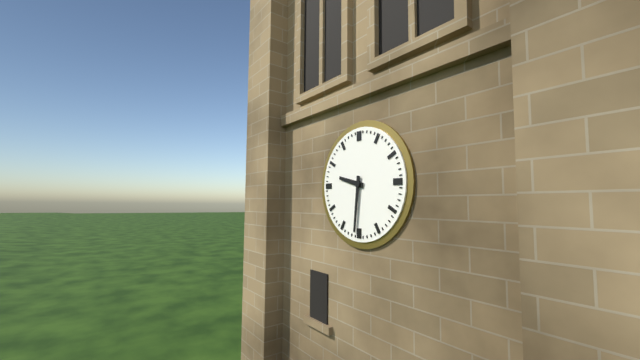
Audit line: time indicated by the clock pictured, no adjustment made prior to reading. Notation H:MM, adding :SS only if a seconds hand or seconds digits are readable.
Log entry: 9:31
